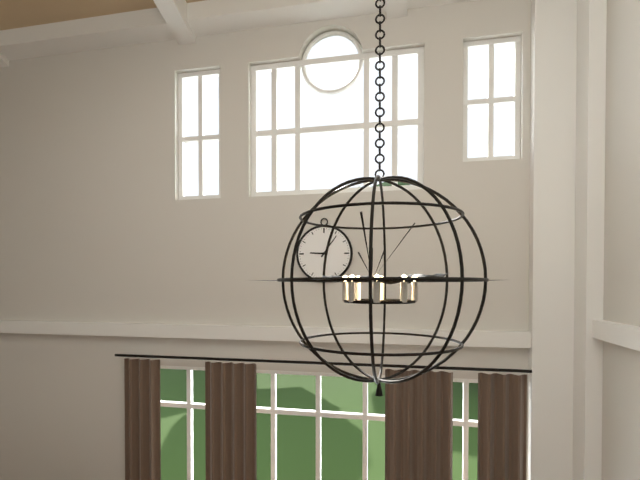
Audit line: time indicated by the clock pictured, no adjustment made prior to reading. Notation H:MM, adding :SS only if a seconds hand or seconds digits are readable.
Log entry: 9:06
